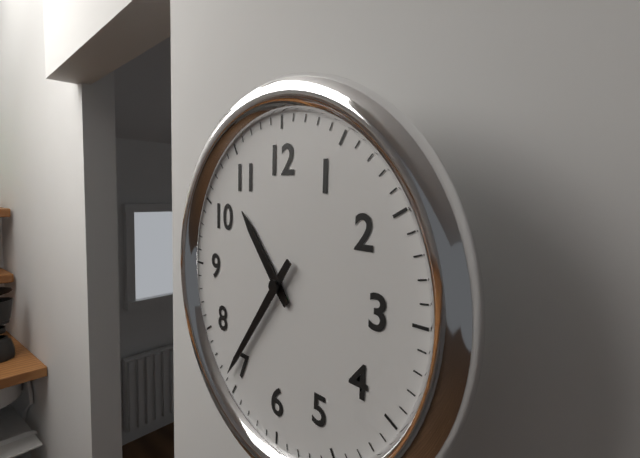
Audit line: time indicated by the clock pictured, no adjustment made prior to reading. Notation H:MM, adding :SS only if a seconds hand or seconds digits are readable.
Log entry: 10:36
